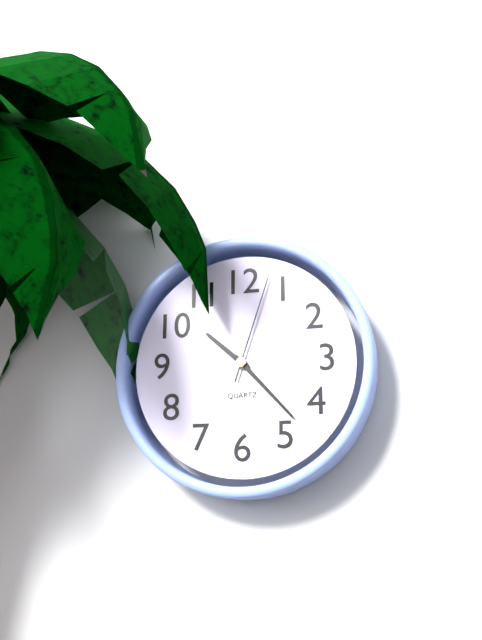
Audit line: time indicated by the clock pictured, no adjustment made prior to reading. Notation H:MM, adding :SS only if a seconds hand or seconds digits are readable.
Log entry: 10:23:03
